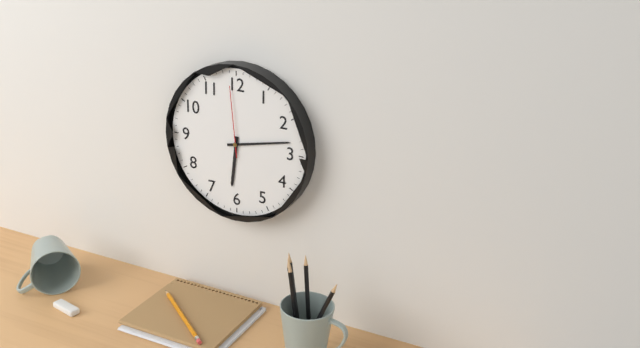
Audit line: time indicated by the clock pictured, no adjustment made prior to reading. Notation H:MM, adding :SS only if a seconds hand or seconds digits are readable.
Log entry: 6:13:59
